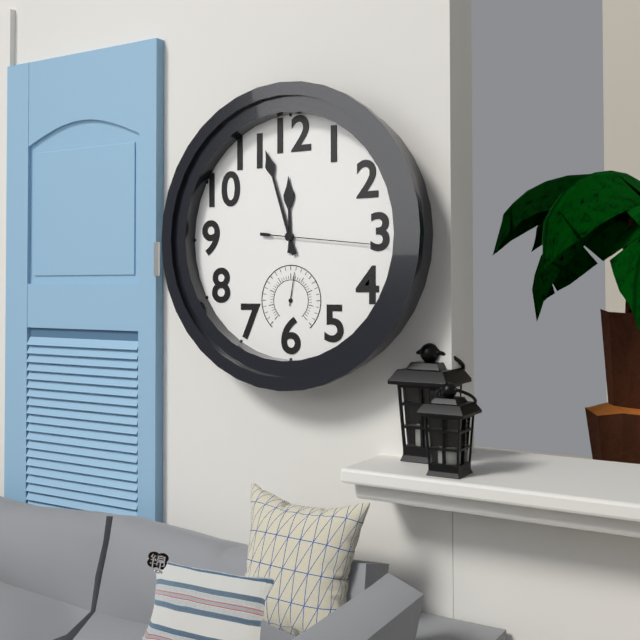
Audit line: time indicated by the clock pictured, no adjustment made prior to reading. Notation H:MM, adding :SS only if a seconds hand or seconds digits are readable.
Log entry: 11:57:16
